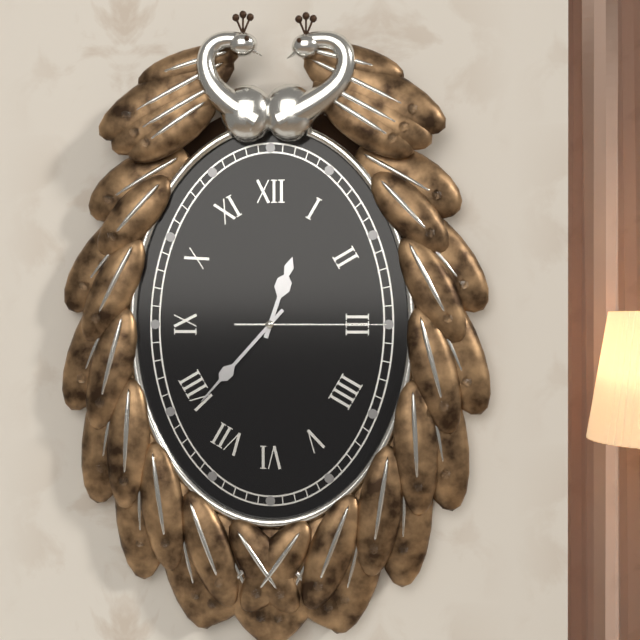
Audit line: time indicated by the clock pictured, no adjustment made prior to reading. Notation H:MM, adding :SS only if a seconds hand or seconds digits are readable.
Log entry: 12:37:15
